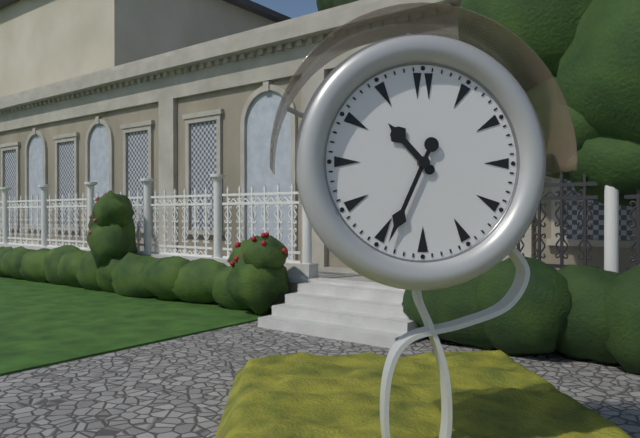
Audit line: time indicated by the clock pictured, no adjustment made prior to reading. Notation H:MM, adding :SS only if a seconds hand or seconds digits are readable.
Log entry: 10:34
